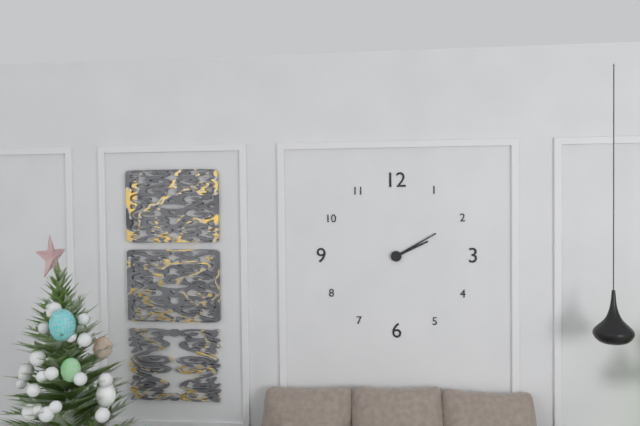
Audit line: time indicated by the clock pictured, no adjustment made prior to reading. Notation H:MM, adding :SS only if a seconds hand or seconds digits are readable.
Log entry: 2:10
